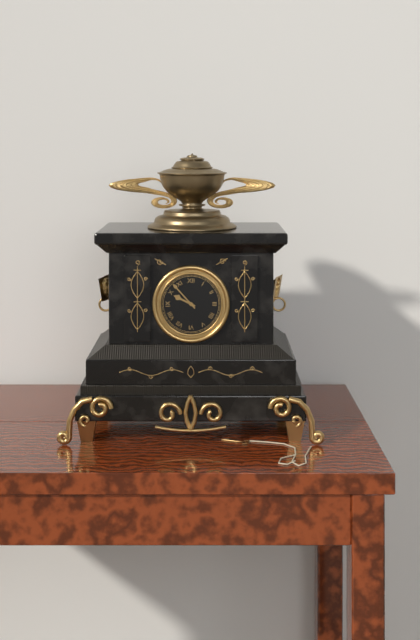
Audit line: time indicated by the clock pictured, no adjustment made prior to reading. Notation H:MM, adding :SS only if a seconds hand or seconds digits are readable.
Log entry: 9:53
